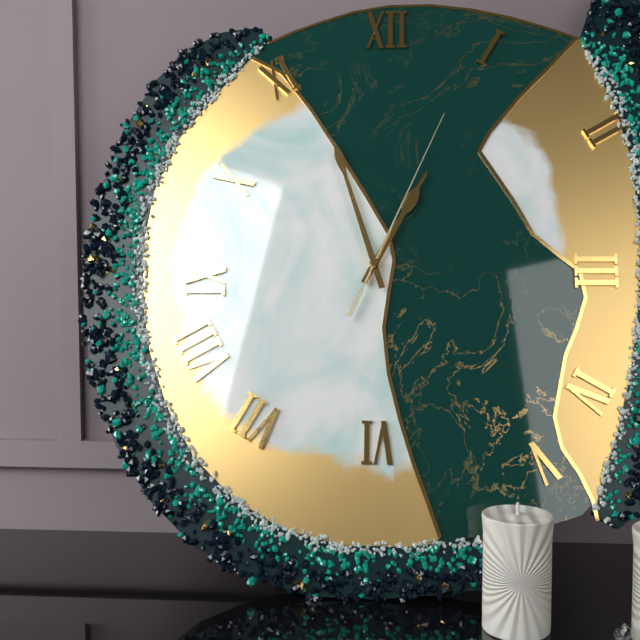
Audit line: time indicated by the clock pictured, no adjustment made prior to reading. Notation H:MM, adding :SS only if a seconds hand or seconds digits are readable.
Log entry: 12:57:04
